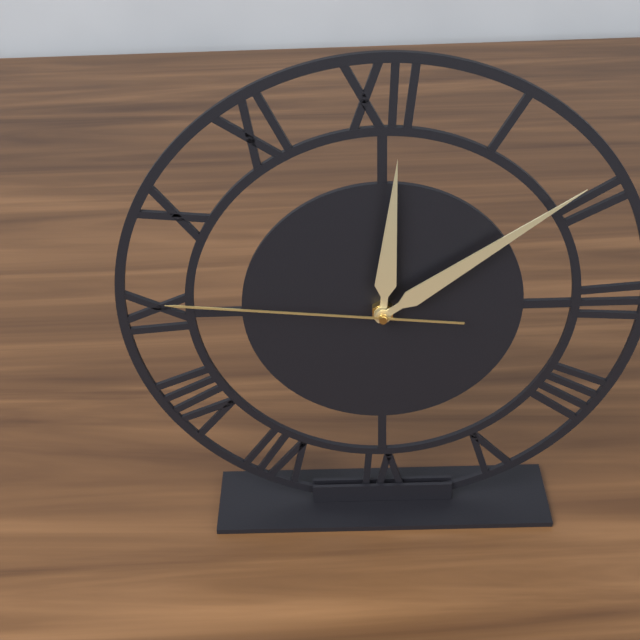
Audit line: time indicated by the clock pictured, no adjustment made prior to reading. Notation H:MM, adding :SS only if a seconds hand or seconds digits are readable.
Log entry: 12:09:46
